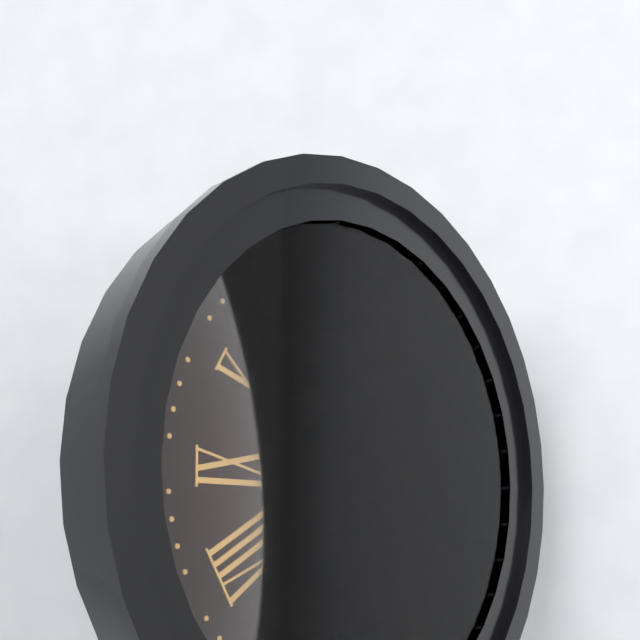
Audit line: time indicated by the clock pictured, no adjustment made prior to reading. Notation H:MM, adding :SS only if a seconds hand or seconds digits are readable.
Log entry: 12:55:51
